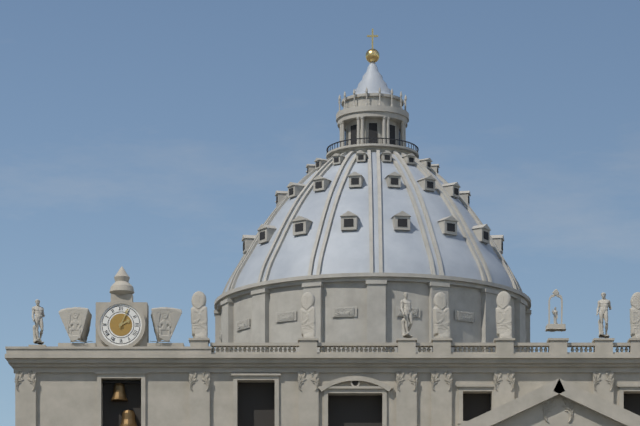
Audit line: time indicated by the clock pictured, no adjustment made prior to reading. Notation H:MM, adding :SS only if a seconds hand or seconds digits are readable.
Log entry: 2:04
